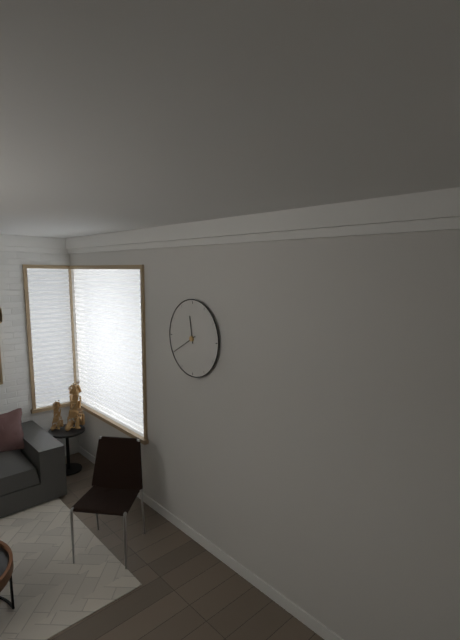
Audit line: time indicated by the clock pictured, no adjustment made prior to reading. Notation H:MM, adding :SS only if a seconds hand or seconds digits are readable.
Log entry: 11:40
